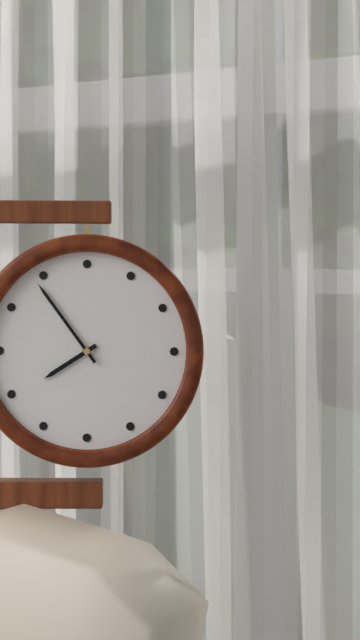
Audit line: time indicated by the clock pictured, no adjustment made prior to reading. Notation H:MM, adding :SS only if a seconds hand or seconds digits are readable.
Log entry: 7:54
